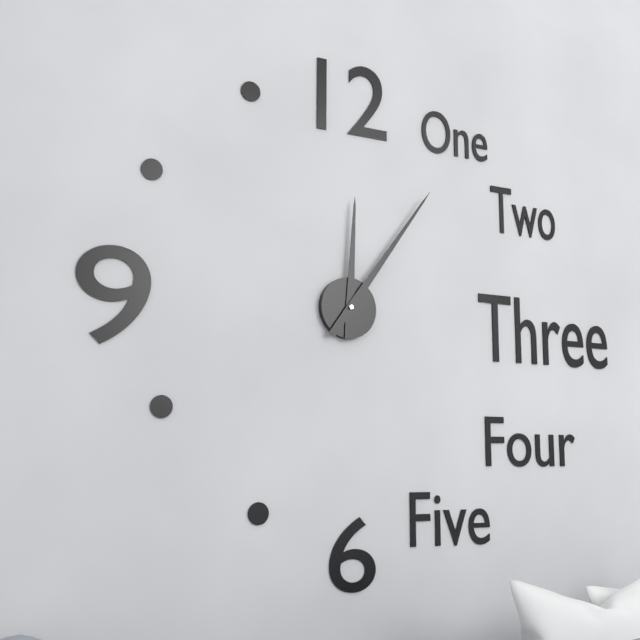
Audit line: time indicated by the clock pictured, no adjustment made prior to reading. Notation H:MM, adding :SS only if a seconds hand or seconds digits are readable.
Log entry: 12:06
